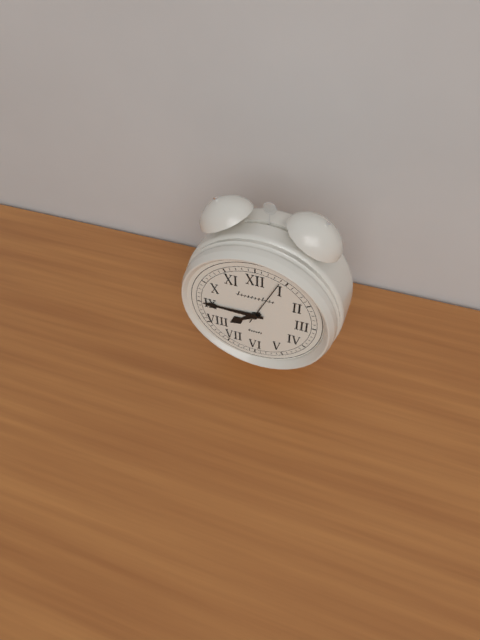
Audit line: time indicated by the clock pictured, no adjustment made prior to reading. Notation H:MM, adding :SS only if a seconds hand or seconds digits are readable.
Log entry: 7:45
